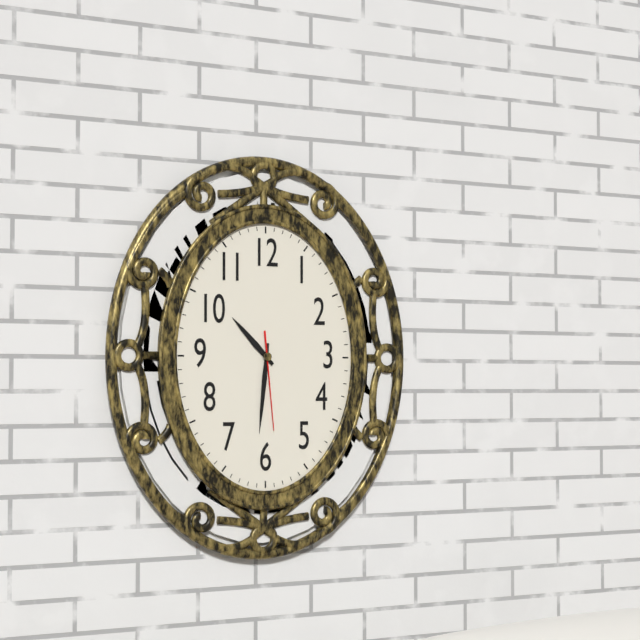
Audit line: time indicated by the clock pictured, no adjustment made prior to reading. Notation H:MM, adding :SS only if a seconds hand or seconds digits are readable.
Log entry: 10:31:29
